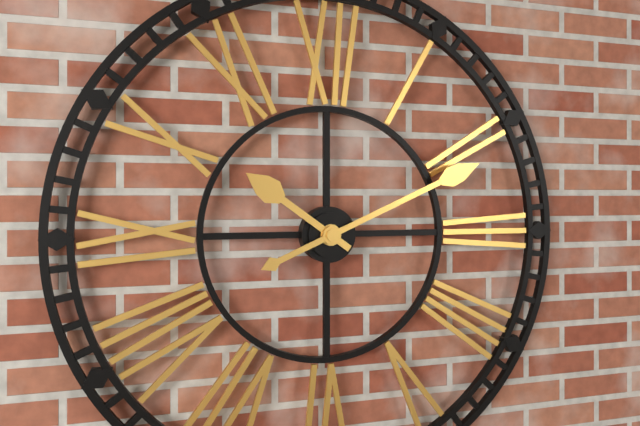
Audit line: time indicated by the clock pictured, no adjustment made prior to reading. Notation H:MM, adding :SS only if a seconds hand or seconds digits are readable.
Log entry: 10:11
